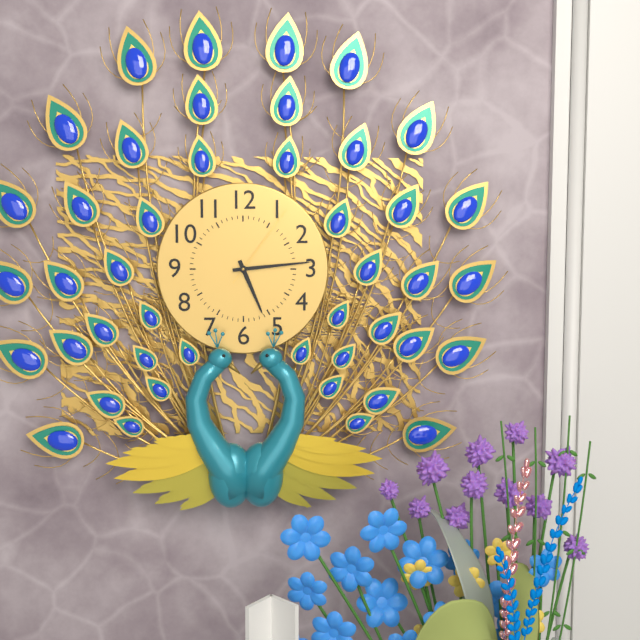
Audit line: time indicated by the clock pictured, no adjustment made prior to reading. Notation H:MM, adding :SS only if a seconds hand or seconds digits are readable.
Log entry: 5:14:06
